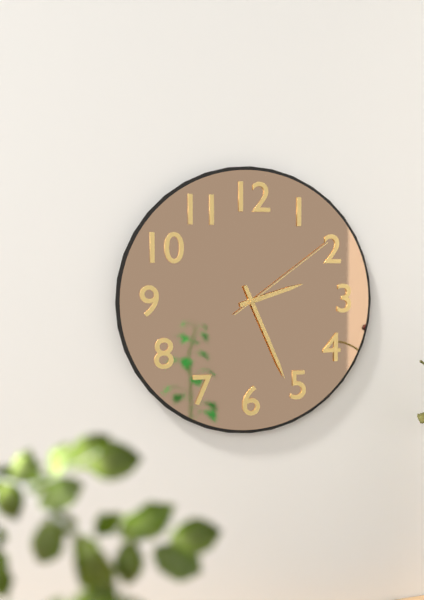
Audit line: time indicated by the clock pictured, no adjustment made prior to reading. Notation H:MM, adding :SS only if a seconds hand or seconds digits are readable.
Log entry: 2:26:09
